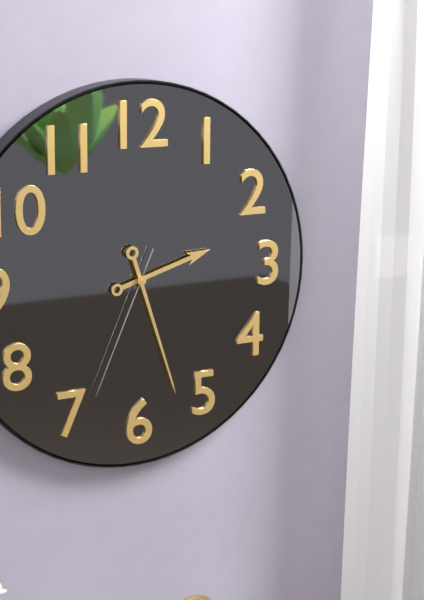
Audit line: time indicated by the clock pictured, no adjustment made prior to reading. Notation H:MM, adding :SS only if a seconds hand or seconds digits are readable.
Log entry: 2:27:34
